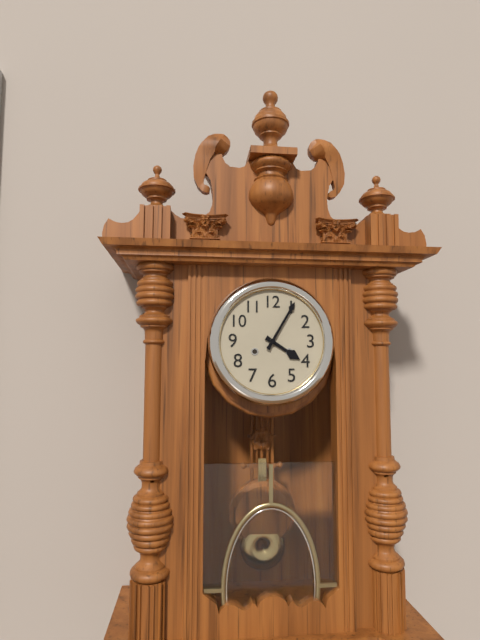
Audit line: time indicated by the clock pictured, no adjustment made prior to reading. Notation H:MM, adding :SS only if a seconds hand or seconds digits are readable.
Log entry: 4:05
